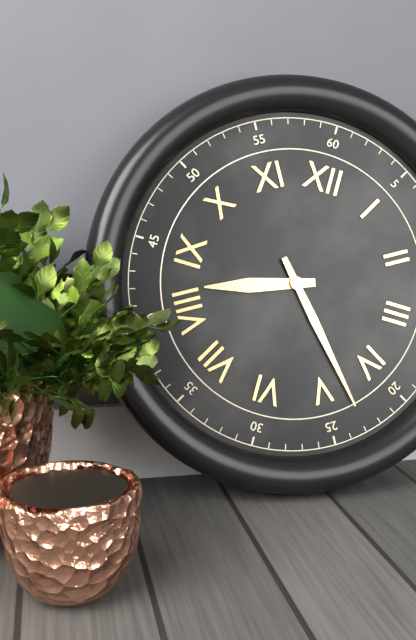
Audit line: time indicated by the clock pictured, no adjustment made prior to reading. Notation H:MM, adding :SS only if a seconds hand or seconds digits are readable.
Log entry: 8:23
